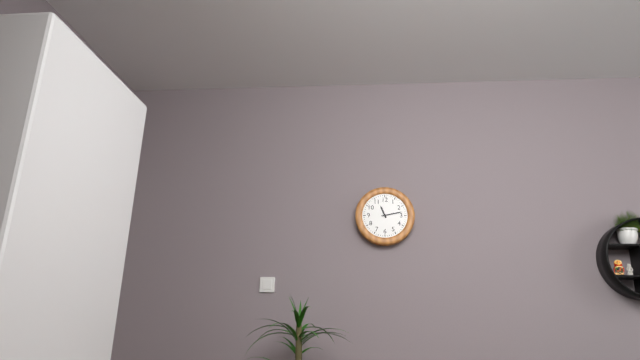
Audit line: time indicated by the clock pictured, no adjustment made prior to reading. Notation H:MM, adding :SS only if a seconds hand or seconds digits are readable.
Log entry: 11:13
